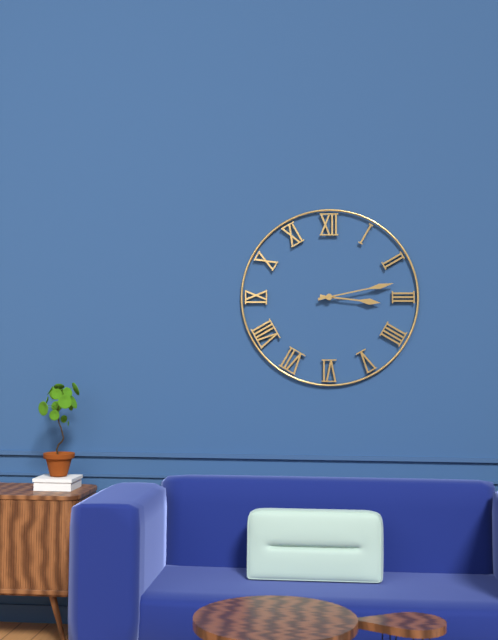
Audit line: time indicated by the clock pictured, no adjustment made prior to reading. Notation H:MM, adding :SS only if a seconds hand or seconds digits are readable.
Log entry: 3:13
